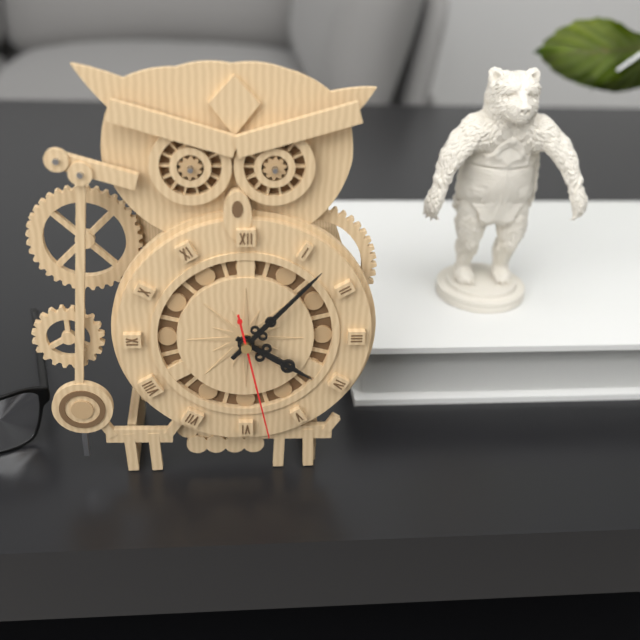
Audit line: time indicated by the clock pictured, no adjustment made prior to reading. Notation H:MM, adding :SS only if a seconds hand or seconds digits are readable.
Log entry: 4:07:28
